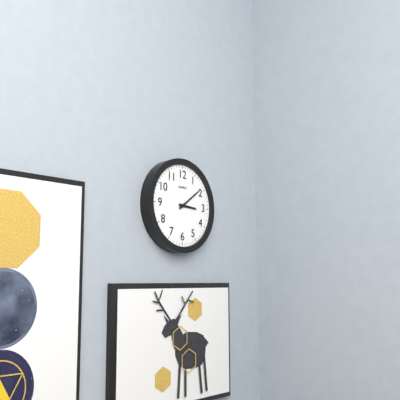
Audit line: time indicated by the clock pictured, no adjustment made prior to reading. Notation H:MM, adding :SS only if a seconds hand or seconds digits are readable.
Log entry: 3:09
